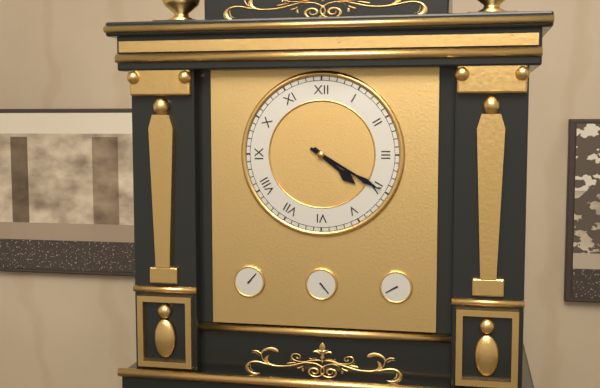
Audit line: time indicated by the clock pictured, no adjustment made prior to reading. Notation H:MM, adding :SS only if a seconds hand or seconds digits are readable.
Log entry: 4:20
